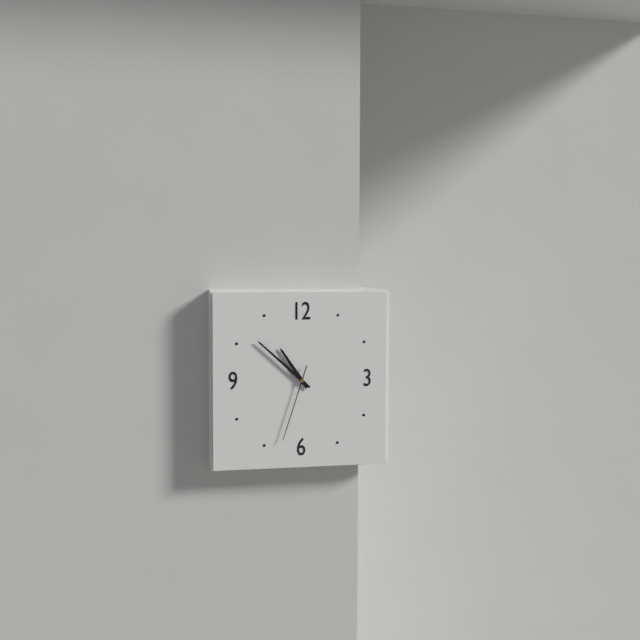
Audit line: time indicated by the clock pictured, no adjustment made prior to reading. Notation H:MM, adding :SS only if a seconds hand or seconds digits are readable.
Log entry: 10:52:33
